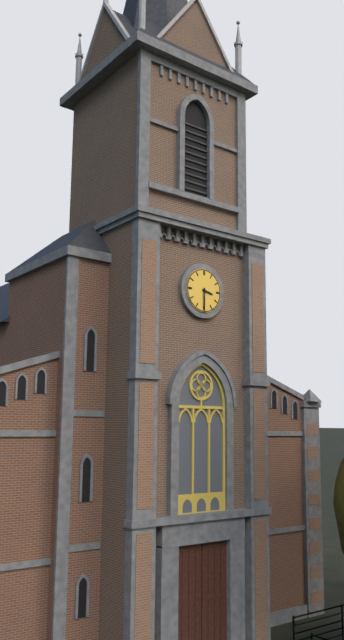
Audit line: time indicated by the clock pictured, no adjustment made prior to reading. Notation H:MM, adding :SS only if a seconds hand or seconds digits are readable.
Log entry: 3:30
